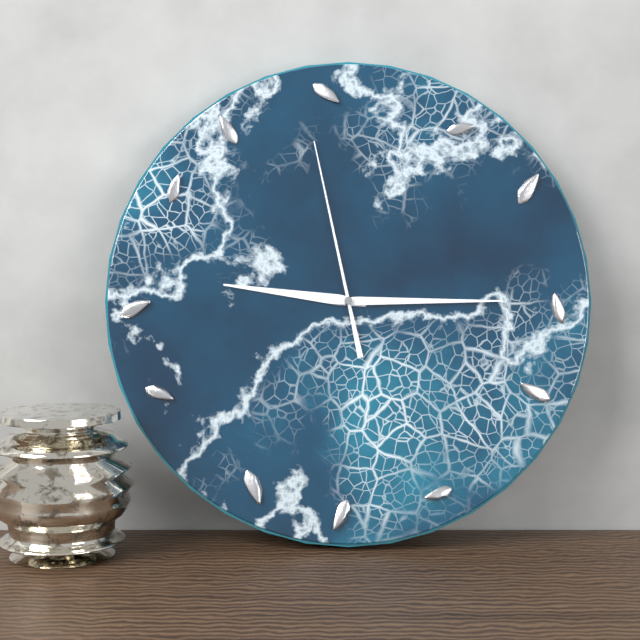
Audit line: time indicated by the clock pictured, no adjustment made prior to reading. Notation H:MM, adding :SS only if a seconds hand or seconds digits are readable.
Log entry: 9:15:58
